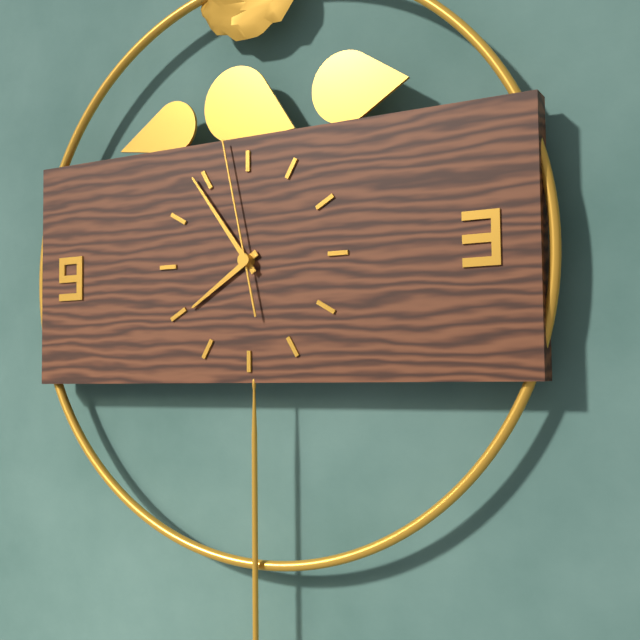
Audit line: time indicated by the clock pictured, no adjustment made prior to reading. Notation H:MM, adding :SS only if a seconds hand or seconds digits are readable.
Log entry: 7:54:58
